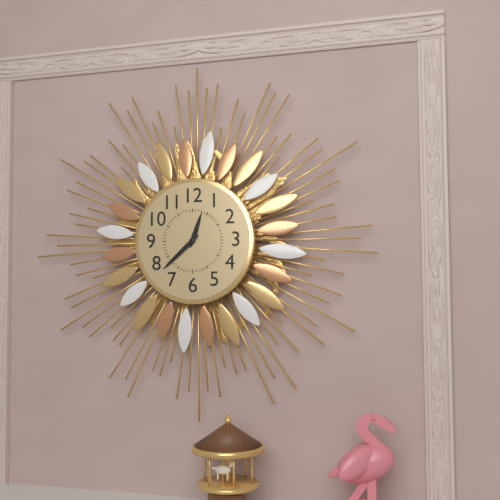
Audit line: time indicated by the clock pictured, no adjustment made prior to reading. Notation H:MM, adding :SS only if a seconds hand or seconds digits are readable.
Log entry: 12:38
